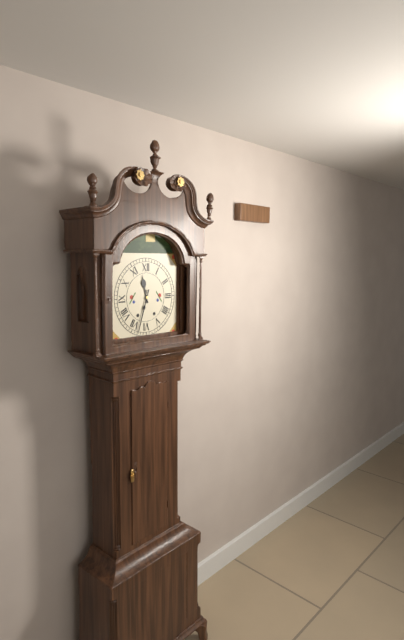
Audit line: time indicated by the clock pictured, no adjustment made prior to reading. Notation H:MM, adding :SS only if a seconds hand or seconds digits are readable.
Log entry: 11:33
